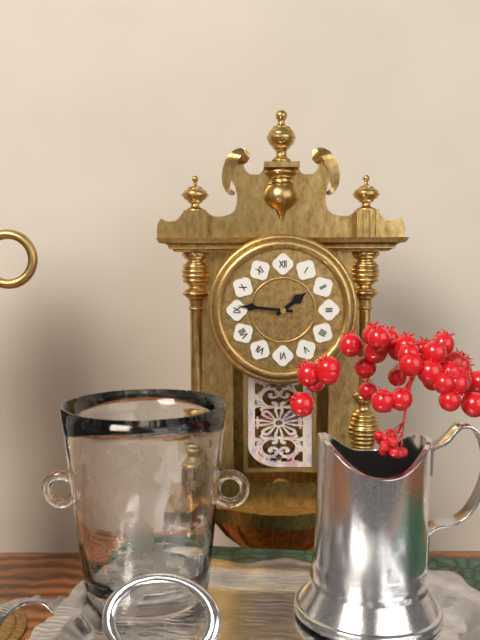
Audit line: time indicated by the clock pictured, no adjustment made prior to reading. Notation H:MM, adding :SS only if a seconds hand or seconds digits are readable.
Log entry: 1:46
